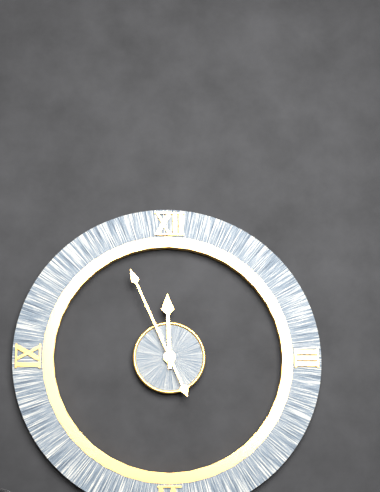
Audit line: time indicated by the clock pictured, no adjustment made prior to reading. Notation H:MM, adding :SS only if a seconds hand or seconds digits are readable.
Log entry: 11:56
